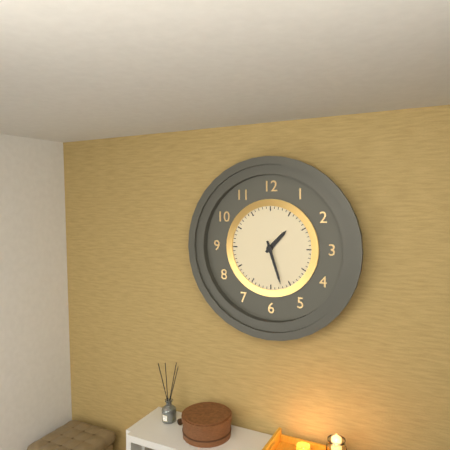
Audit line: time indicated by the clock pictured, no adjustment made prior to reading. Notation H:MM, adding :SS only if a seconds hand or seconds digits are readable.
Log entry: 1:27
